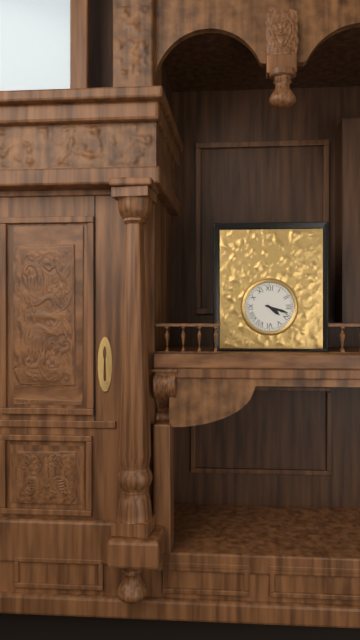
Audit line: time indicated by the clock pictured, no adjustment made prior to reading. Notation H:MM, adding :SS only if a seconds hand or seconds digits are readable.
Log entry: 4:18
